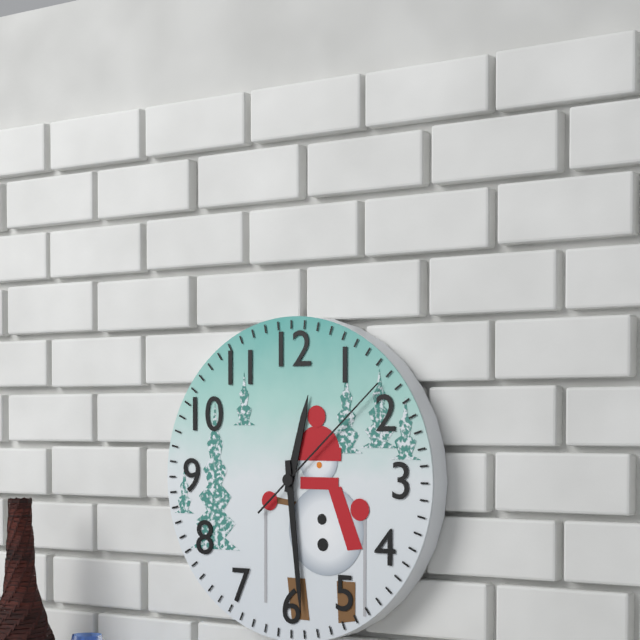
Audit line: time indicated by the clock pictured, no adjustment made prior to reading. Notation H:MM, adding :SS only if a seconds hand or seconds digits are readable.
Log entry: 12:29:08
